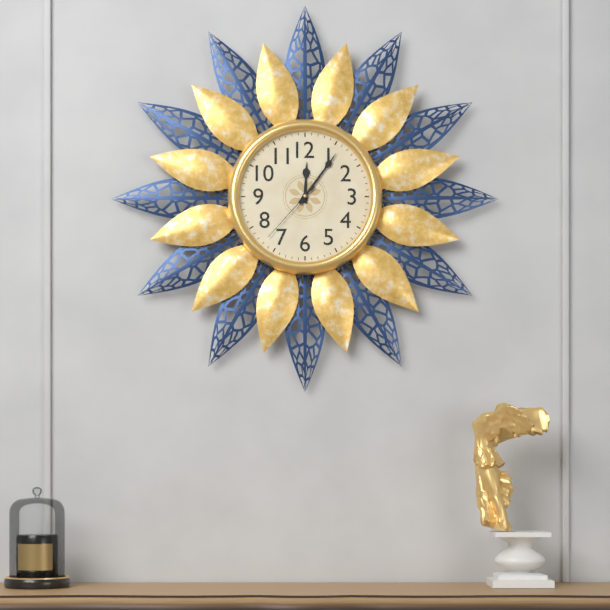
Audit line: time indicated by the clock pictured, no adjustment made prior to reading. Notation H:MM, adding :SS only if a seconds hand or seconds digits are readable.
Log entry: 12:06:37
